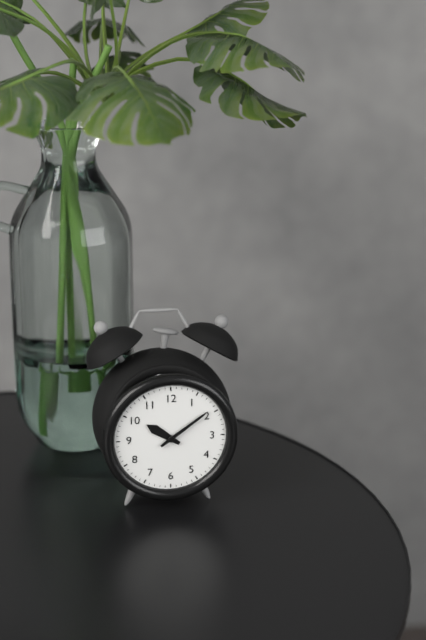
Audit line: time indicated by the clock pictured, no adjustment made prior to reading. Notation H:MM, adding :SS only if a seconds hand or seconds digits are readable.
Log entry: 10:09
